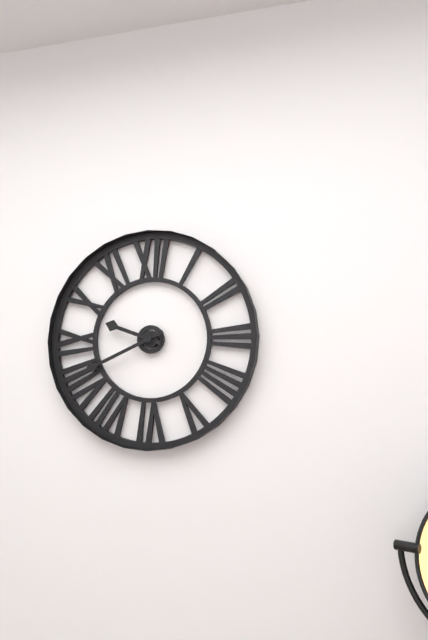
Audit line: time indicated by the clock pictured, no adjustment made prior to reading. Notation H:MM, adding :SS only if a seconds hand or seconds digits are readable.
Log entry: 9:41
